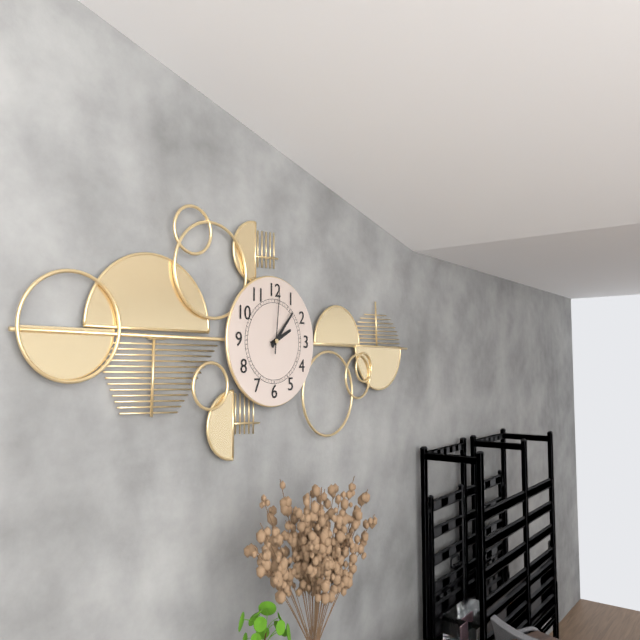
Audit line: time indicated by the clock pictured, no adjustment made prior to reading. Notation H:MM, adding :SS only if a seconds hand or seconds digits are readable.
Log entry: 2:07:01
